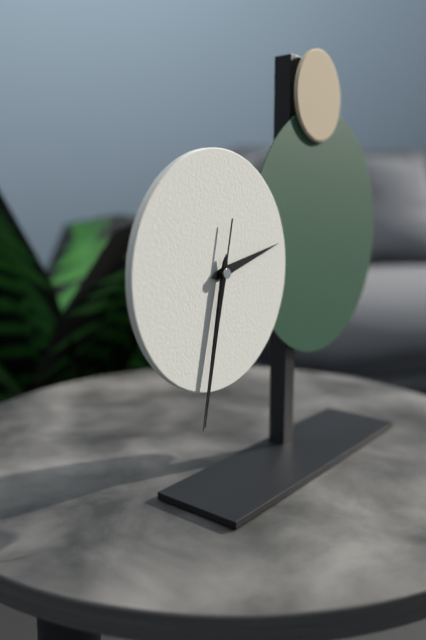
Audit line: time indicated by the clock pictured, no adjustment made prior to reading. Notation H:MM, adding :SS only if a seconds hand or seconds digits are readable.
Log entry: 2:32:32
